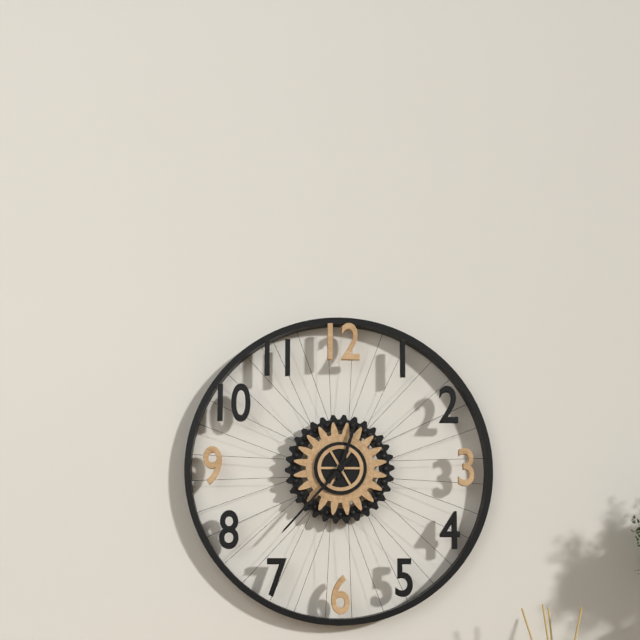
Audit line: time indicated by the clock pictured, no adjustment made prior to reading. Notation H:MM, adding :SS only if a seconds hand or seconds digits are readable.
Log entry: 12:37
